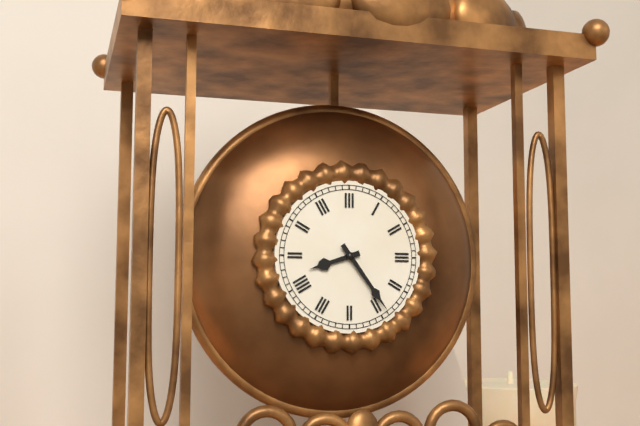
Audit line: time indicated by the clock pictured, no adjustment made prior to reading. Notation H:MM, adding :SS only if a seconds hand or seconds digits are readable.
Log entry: 8:24
